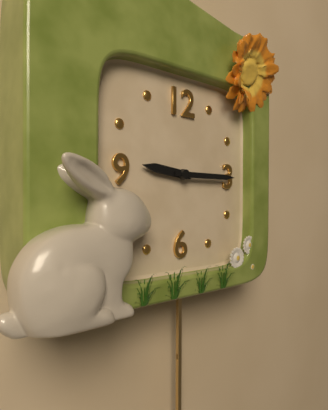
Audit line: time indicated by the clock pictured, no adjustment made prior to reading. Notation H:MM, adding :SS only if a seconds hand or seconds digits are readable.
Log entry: 9:15
